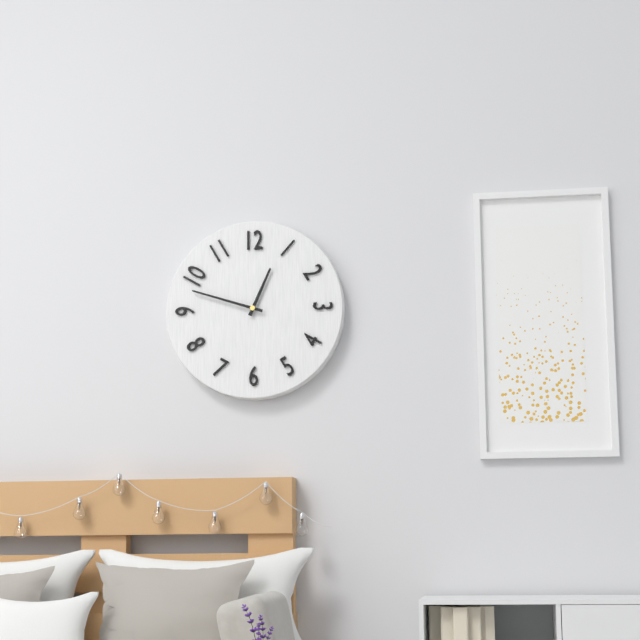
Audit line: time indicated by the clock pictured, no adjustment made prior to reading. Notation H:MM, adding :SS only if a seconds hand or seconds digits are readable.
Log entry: 12:48
